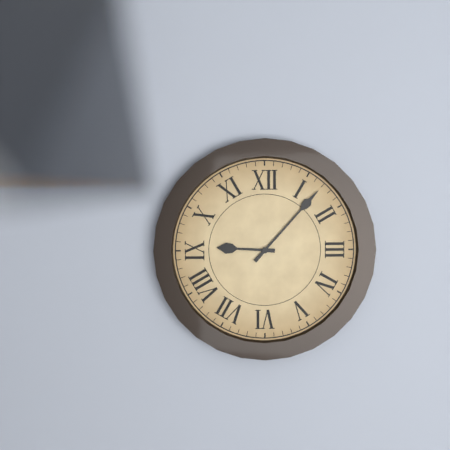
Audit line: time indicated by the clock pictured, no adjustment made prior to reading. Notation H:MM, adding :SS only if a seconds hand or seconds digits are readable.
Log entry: 9:07
